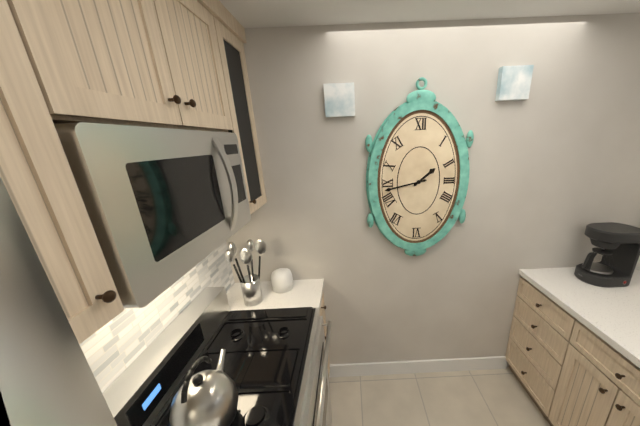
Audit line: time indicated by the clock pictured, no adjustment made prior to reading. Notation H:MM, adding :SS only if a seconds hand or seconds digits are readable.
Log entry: 1:43
